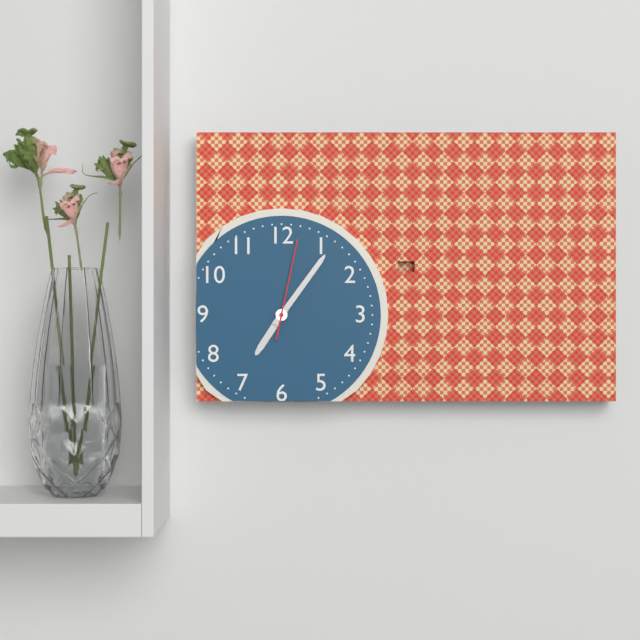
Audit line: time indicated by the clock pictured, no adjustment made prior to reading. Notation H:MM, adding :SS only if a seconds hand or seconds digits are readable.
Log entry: 7:06:02
